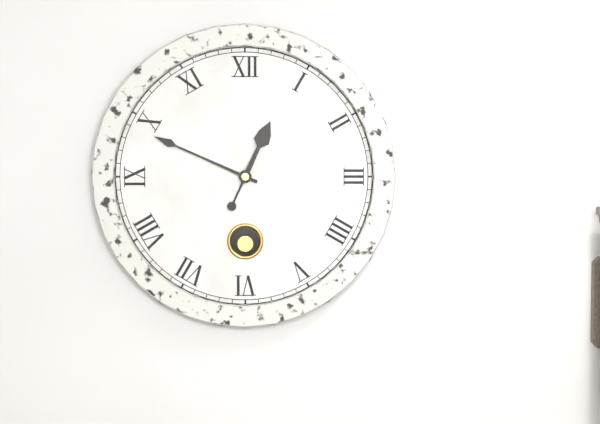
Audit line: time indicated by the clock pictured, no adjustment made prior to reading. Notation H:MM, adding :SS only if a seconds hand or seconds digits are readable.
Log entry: 12:49
